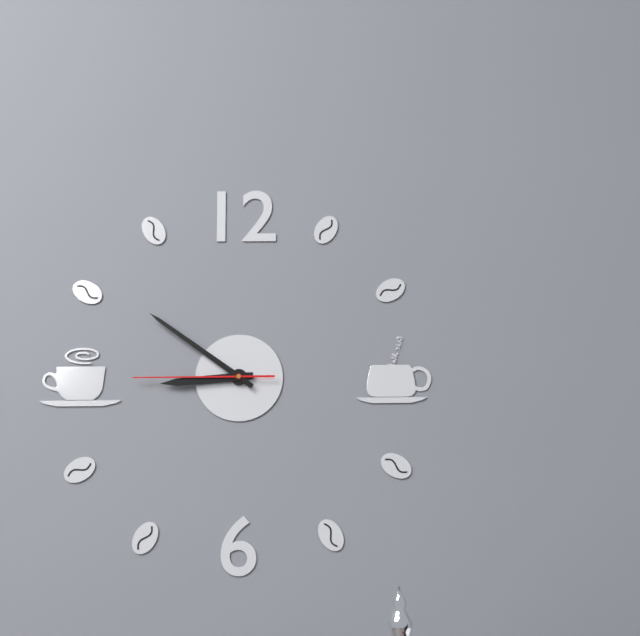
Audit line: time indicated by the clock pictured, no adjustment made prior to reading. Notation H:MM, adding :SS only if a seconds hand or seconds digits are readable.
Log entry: 8:51:45
